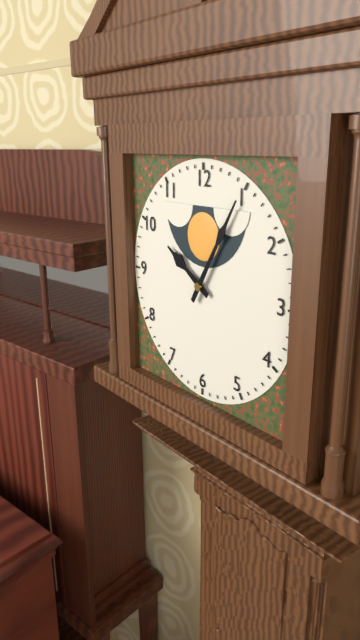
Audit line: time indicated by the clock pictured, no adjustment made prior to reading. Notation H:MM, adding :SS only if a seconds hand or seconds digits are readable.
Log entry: 10:05
